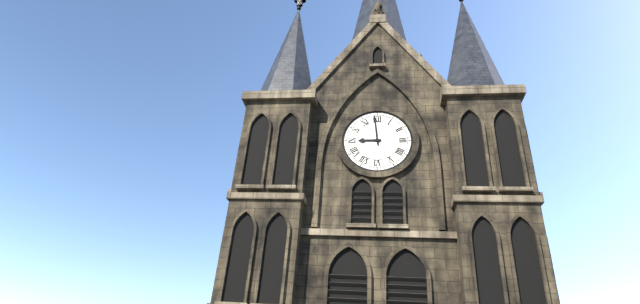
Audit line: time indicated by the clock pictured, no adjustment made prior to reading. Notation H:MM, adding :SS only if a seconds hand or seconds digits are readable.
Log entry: 8:59
